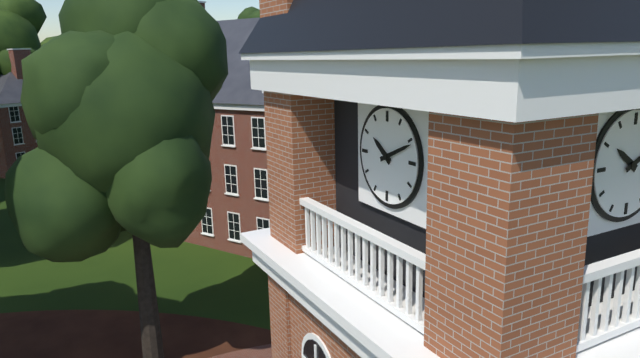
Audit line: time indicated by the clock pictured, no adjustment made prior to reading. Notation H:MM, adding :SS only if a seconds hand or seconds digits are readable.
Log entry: 10:11
